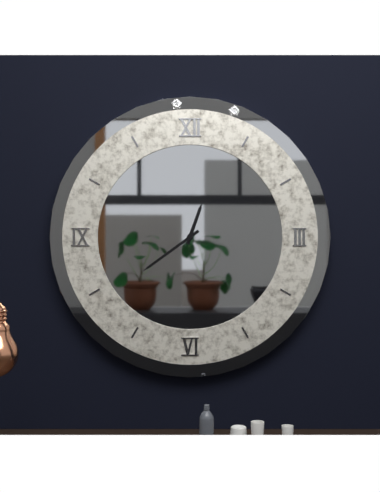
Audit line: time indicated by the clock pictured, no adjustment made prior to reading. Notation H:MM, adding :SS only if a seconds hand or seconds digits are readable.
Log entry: 12:39
